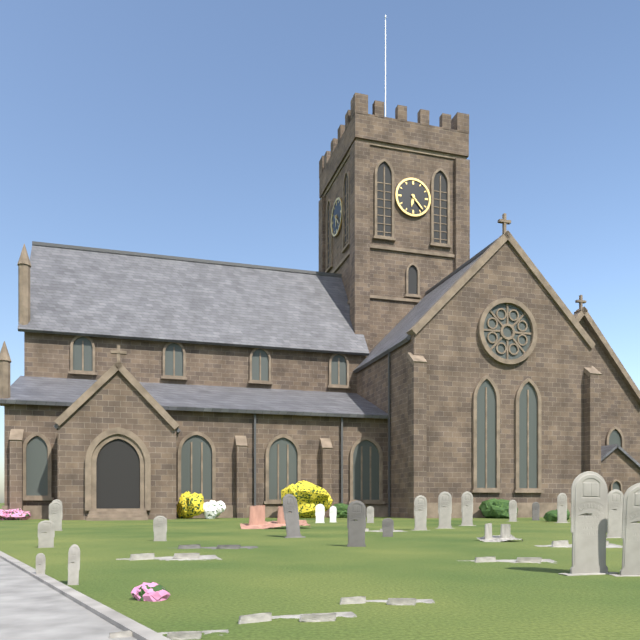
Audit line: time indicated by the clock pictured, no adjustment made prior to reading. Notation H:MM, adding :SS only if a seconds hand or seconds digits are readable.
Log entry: 6:23
